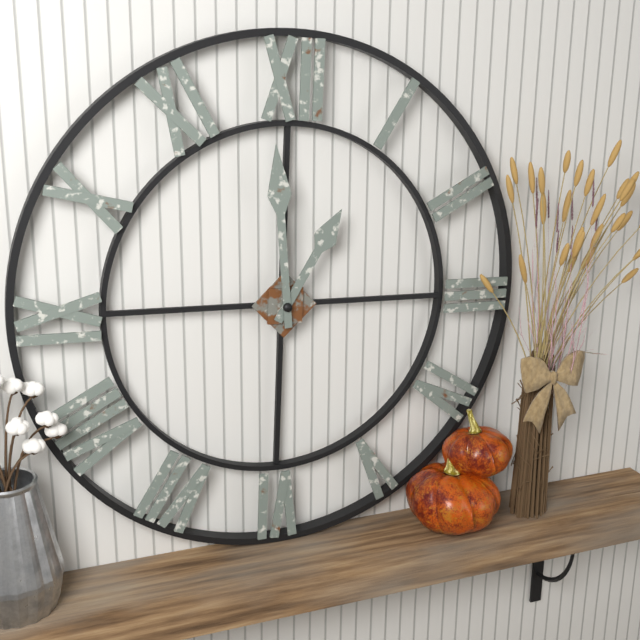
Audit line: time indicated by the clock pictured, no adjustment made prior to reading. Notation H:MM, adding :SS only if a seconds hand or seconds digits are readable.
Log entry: 12:59
